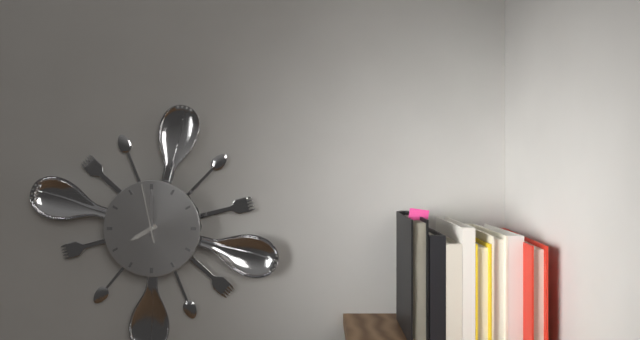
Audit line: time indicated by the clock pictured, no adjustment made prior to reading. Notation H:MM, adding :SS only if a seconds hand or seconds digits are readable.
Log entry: 8:00:58
